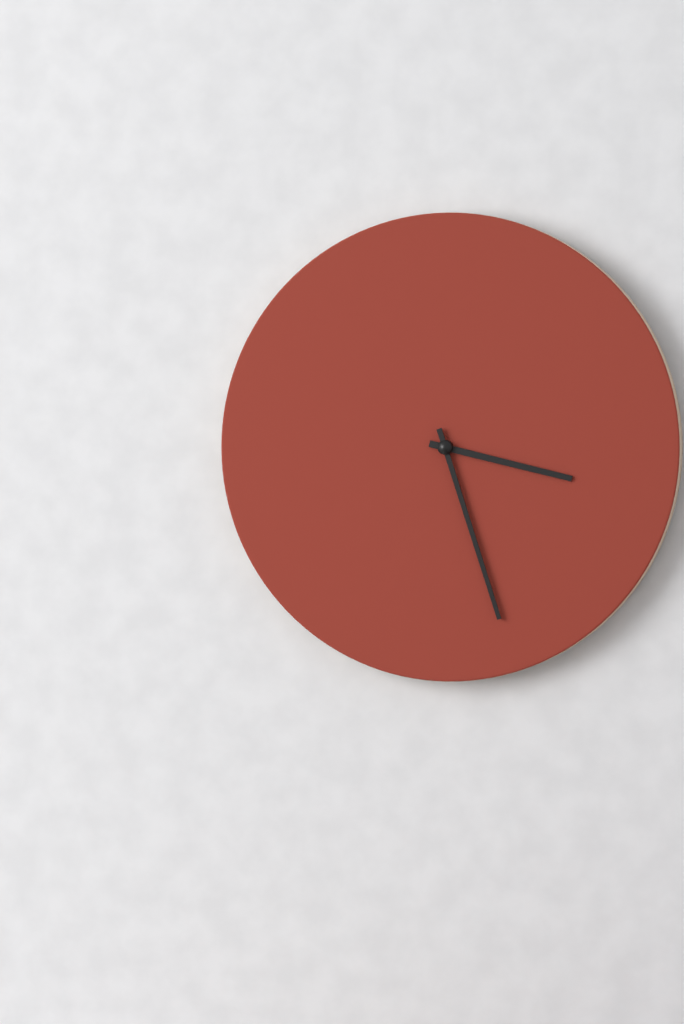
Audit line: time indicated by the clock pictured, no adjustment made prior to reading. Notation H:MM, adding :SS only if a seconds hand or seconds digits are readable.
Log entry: 3:27
